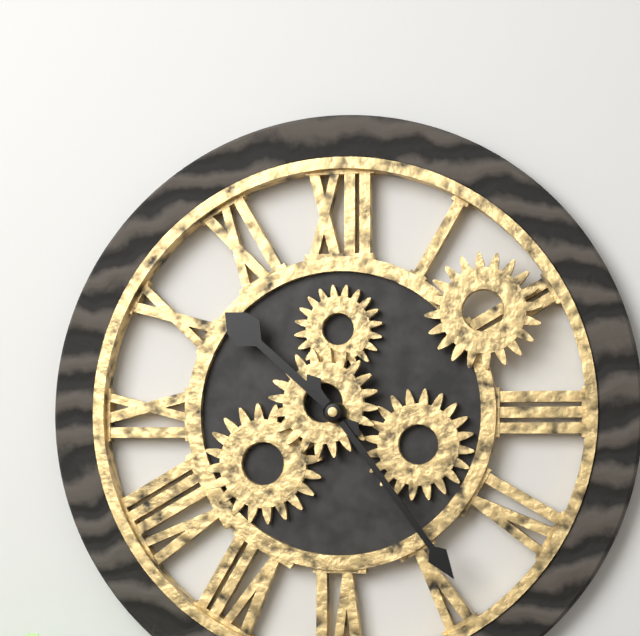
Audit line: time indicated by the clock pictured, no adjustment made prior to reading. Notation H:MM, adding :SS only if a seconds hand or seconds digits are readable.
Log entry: 10:24
